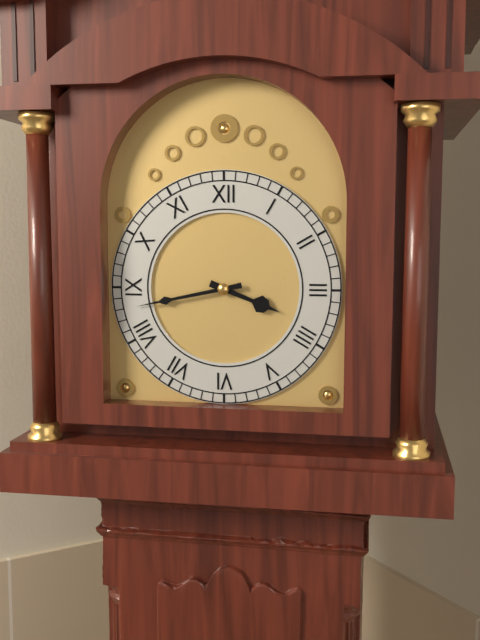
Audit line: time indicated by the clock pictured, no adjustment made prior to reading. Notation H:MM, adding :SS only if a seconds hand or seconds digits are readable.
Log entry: 3:43
